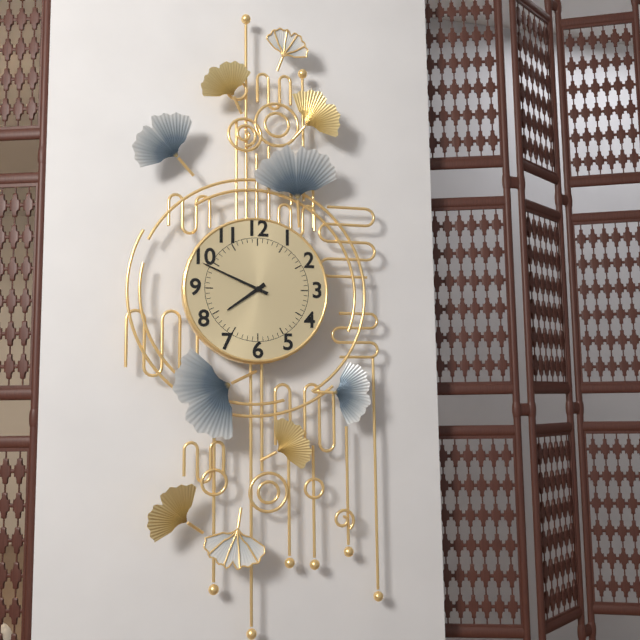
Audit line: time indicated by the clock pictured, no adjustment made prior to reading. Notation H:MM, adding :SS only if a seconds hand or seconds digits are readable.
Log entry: 7:49
